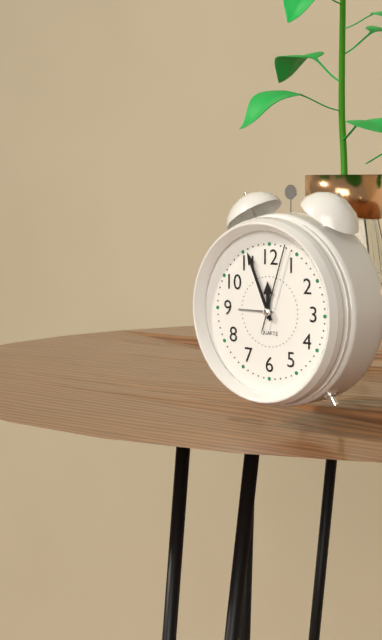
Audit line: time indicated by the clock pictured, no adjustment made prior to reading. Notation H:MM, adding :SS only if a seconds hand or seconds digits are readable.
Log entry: 11:56:03
